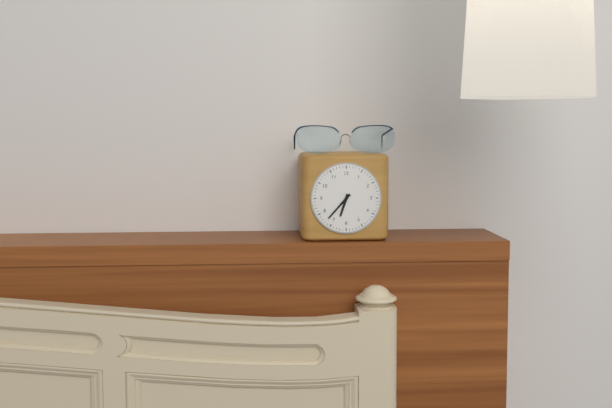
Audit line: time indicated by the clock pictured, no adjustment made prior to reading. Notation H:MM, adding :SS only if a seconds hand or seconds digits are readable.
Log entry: 6:37
